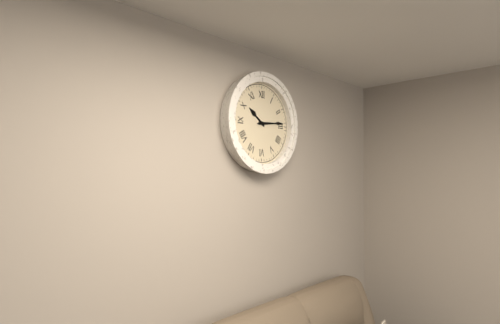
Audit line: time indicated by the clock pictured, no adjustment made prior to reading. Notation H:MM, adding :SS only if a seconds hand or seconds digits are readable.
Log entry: 10:14
